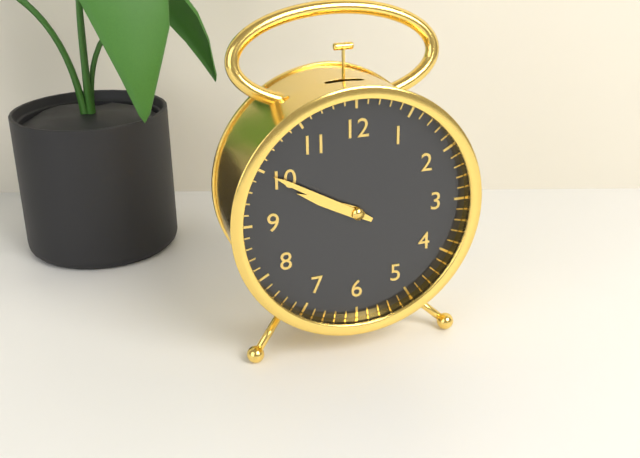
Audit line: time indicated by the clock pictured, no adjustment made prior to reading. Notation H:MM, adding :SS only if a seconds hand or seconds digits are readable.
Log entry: 9:50
